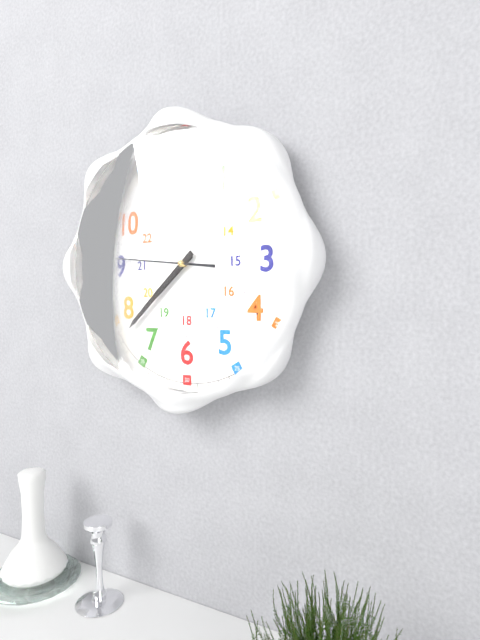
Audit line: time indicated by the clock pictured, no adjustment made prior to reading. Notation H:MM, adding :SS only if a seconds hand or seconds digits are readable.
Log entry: 7:38:46
